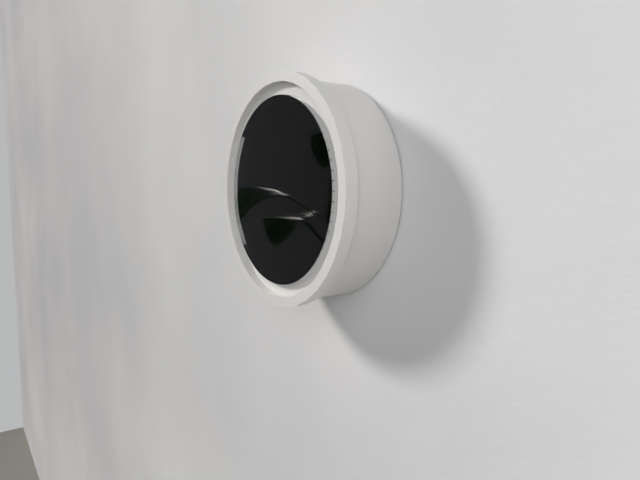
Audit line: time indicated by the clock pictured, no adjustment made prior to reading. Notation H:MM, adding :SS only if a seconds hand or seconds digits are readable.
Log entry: 6:35:21
